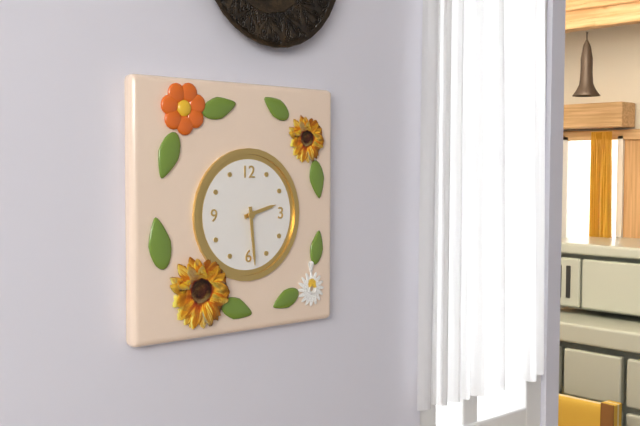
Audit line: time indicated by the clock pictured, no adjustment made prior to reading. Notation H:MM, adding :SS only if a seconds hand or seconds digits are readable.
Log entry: 2:29
